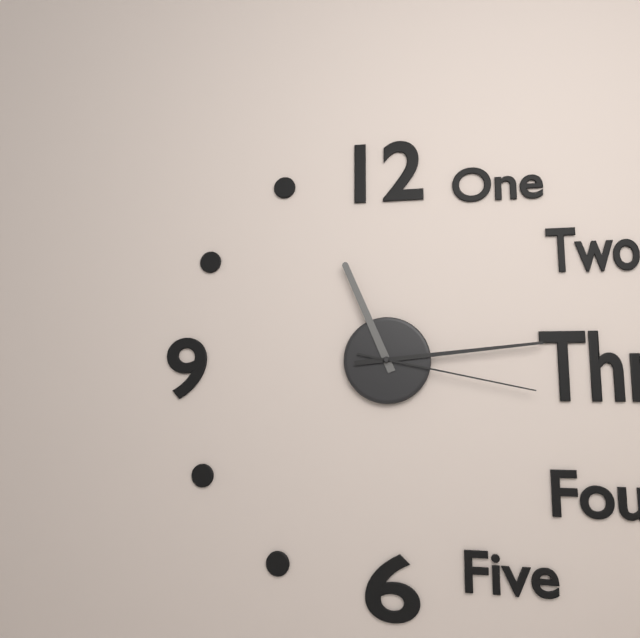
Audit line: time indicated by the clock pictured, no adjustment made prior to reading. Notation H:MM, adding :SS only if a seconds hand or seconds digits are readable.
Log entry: 11:14:17
